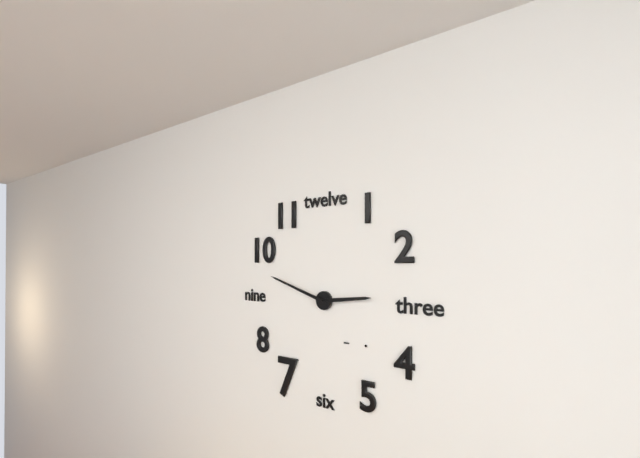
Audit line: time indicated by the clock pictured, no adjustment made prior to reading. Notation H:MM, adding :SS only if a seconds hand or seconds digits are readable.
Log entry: 2:48
